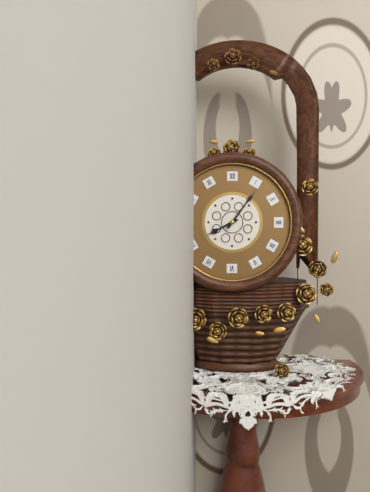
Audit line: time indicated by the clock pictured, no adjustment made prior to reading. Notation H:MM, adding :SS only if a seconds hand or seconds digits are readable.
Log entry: 8:06
